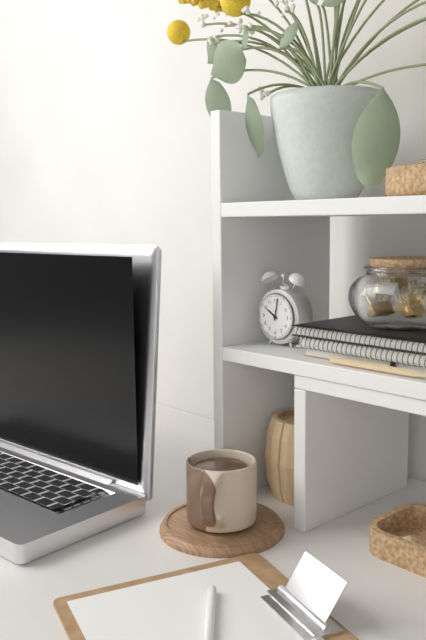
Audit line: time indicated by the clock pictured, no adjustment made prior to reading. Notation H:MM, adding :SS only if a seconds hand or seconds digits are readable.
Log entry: 10:02
